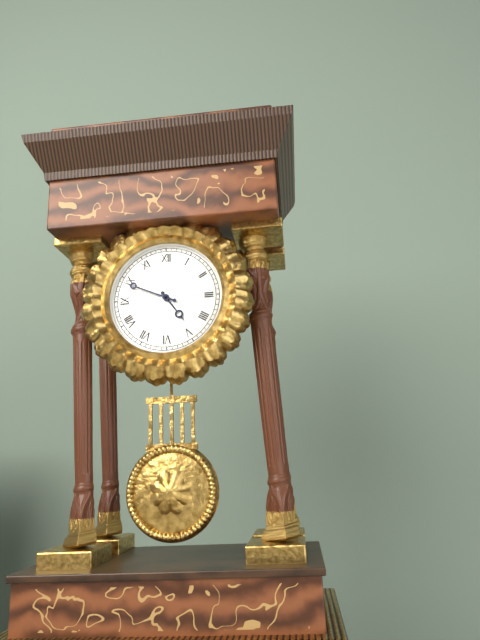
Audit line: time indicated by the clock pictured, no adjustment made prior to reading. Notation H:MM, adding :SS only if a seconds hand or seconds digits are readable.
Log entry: 4:49
